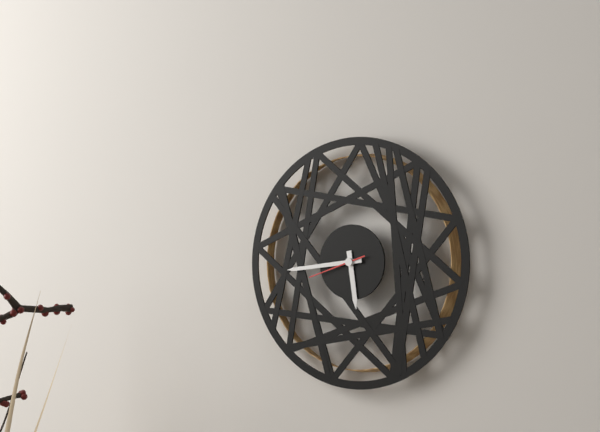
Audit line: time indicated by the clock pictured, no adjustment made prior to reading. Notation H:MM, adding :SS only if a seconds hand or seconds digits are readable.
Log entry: 5:44:42
